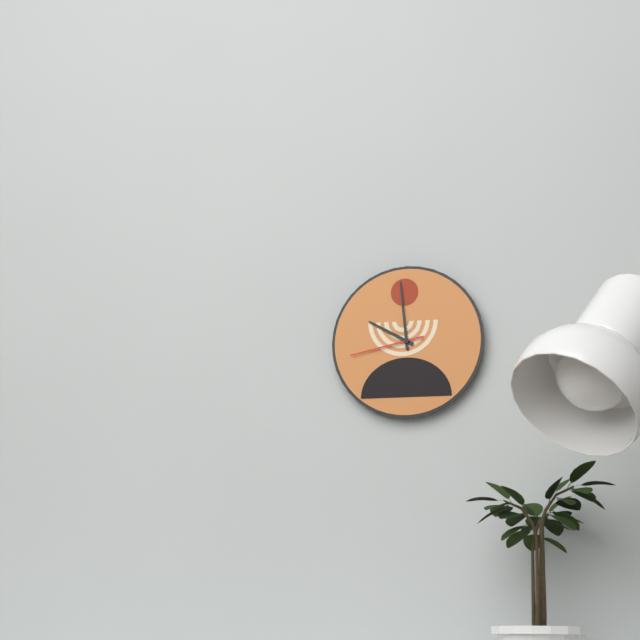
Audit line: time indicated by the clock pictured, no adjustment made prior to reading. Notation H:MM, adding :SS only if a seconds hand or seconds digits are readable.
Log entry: 9:59:43
